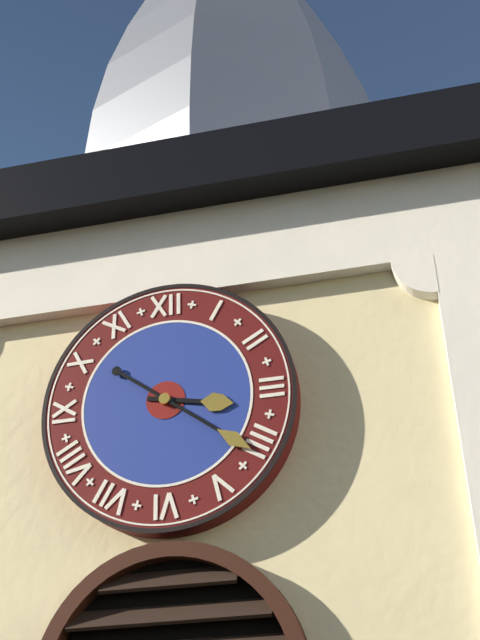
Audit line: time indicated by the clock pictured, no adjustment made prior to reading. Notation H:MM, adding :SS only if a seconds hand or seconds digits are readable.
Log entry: 3:21
